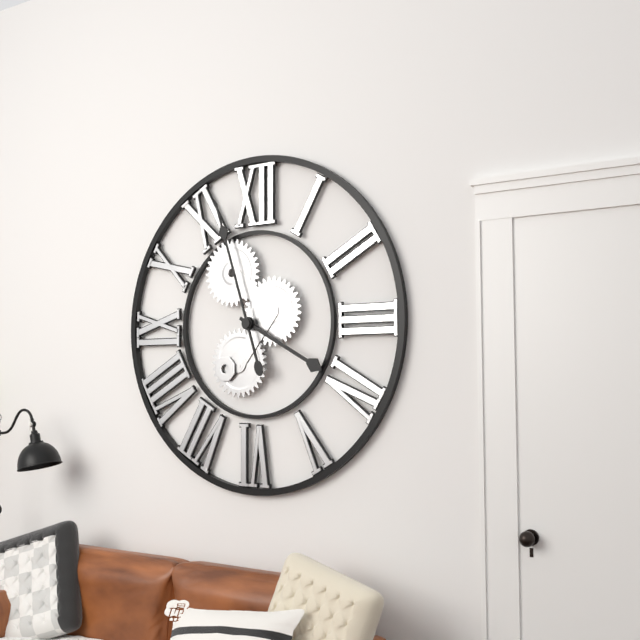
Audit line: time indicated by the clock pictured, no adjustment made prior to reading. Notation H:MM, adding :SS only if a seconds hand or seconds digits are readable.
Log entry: 3:57
